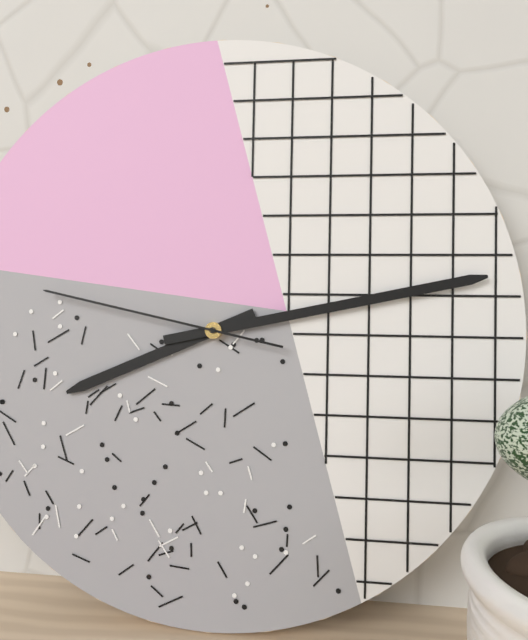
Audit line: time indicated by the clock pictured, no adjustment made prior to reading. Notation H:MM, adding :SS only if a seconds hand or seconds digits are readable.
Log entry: 8:13:47
